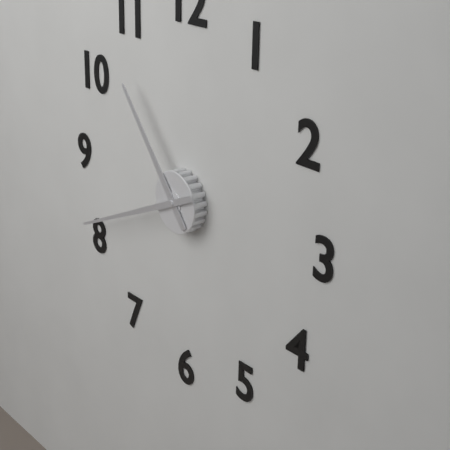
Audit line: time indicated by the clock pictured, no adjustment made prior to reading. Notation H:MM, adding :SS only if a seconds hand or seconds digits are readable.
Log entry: 10:41
